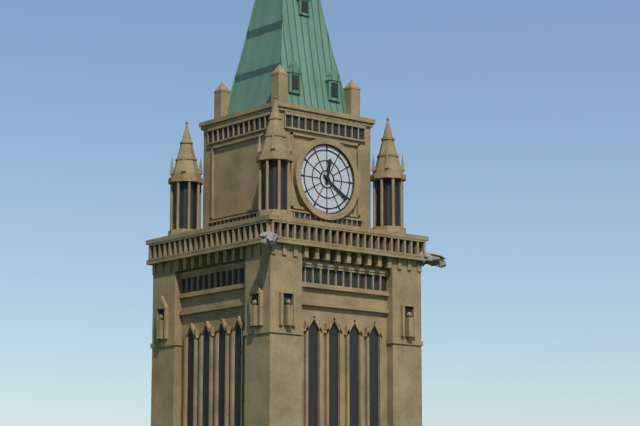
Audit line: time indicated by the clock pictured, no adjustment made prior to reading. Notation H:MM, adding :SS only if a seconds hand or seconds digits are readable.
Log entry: 12:21
